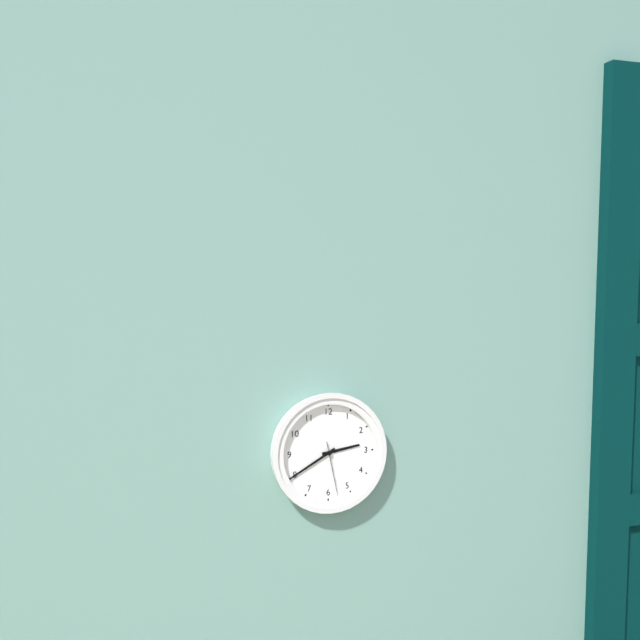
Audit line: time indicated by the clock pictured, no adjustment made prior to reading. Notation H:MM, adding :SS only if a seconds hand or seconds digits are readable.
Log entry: 2:40:28
